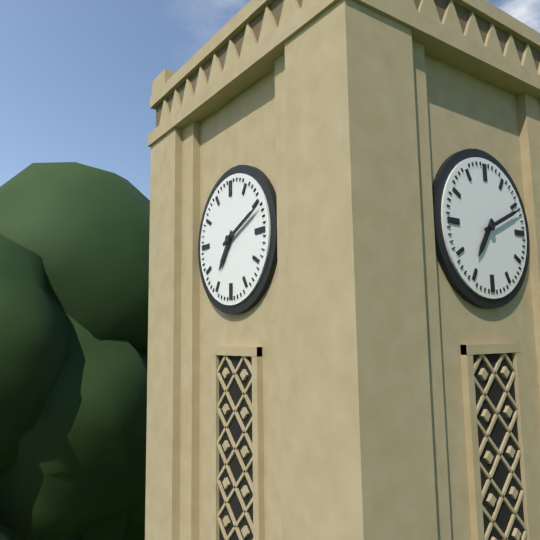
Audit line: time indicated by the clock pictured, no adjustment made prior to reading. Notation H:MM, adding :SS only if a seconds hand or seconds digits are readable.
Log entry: 7:11
